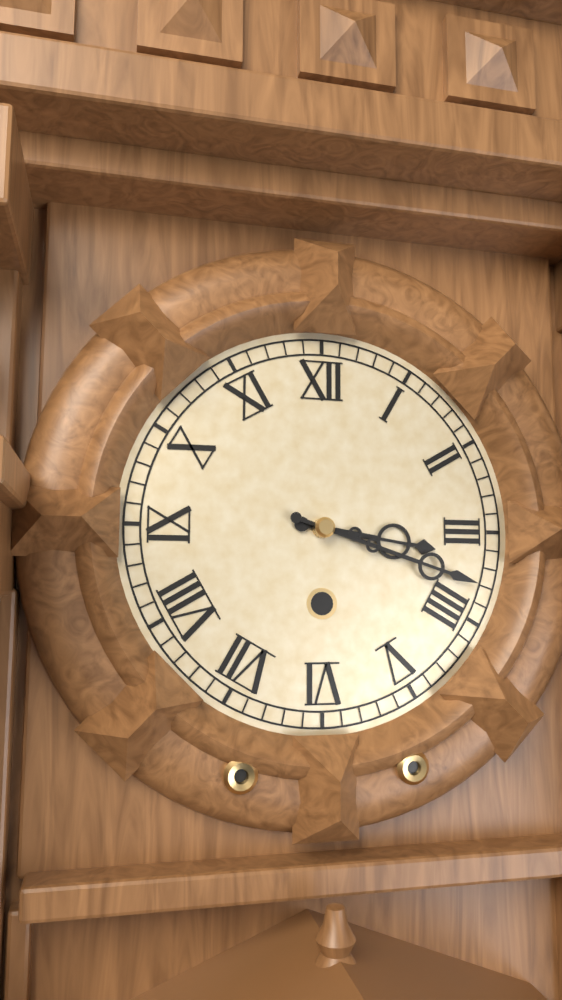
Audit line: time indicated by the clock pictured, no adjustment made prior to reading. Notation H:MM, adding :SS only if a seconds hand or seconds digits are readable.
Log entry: 3:18
